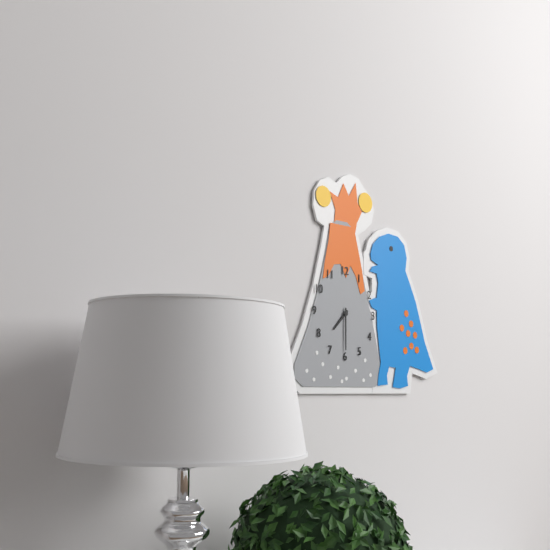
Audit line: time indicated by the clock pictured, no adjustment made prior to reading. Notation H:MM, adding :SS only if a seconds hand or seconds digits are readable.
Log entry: 7:30
